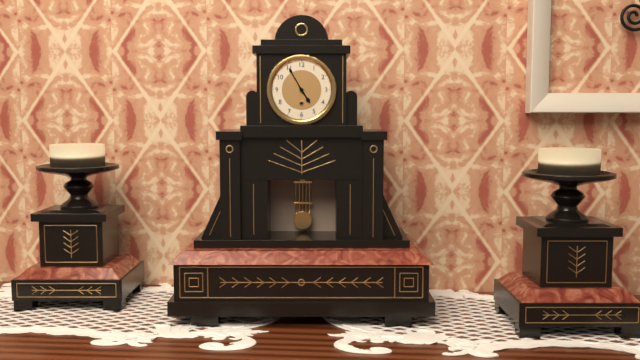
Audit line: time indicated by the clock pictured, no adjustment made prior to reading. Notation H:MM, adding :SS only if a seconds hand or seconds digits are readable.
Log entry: 4:55
